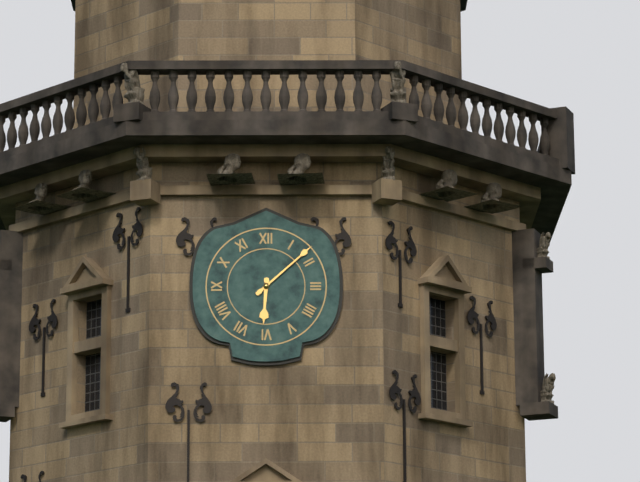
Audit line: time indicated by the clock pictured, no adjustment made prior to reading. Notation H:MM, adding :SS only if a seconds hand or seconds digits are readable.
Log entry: 6:08
